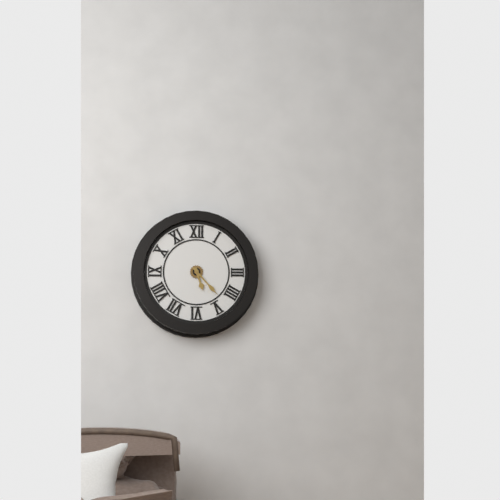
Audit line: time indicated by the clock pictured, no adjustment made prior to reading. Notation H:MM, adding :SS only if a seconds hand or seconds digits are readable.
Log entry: 5:23
